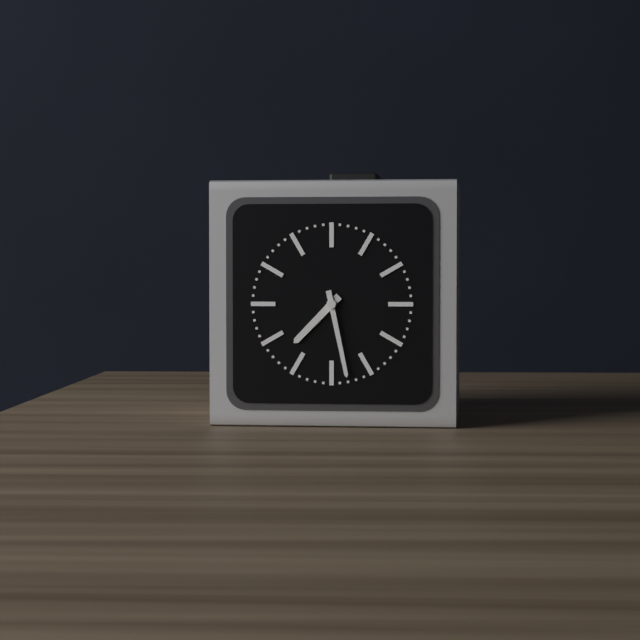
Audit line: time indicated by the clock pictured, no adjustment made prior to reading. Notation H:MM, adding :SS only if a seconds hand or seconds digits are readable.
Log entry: 7:28
